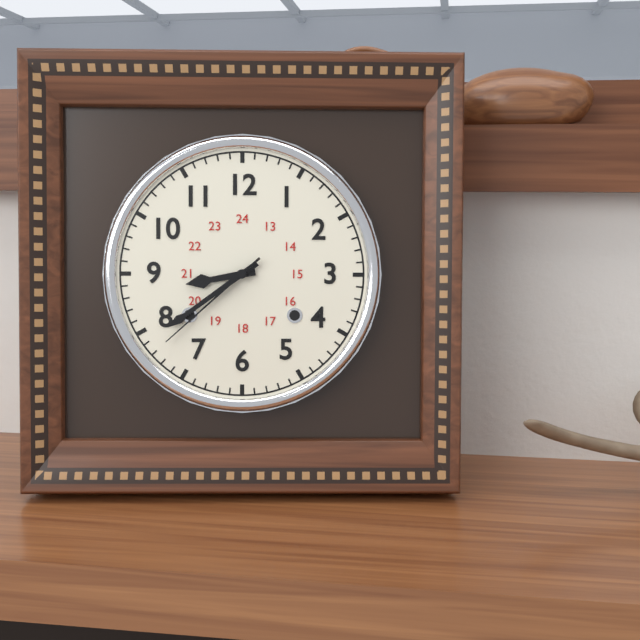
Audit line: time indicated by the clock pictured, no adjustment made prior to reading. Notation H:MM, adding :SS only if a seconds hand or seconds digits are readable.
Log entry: 8:39:38
